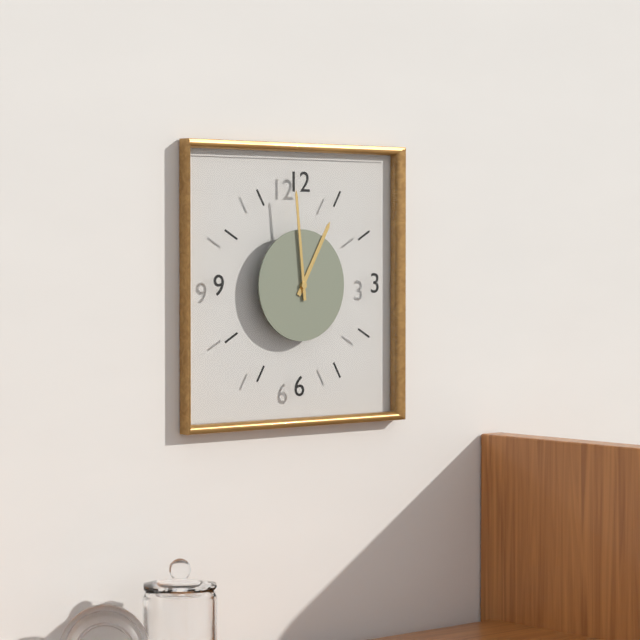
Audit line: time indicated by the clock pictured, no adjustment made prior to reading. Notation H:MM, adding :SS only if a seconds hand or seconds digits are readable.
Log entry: 12:59
